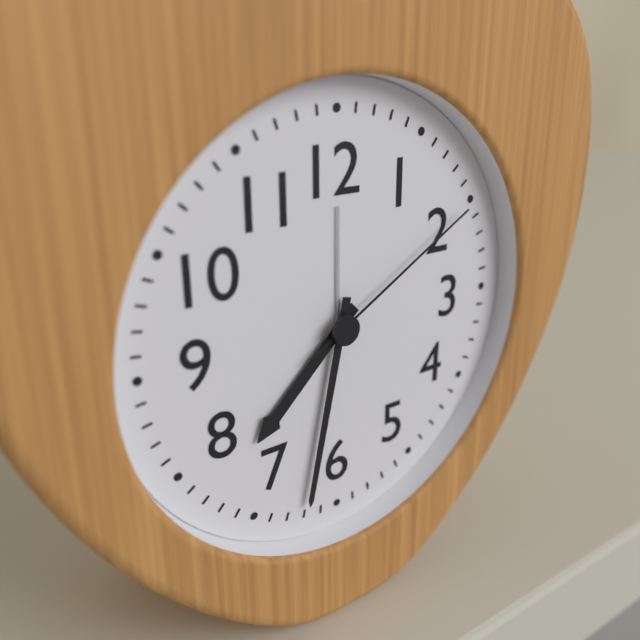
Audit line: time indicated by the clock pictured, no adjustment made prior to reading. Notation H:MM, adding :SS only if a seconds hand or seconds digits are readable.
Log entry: 7:32:10
